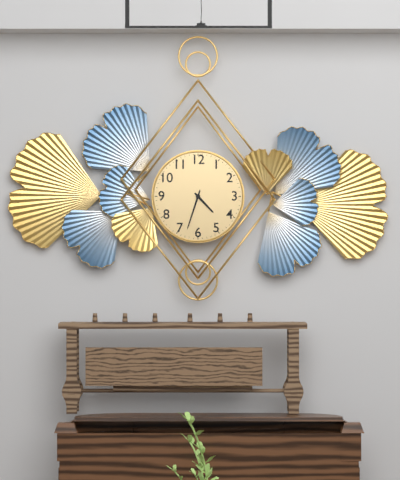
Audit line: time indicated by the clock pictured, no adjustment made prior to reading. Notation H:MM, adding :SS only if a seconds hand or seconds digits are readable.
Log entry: 4:33
